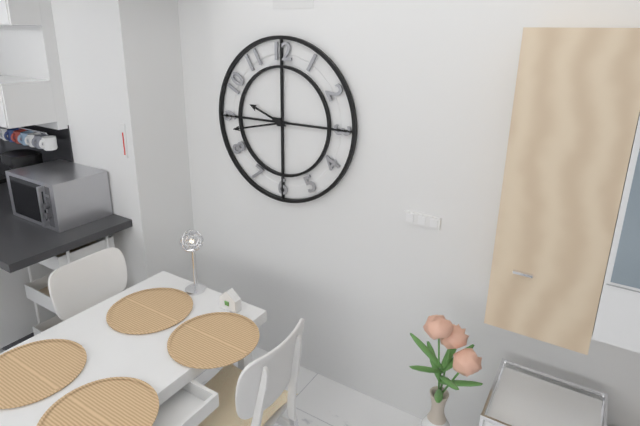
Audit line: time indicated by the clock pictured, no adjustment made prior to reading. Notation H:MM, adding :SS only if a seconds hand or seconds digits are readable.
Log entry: 9:43
